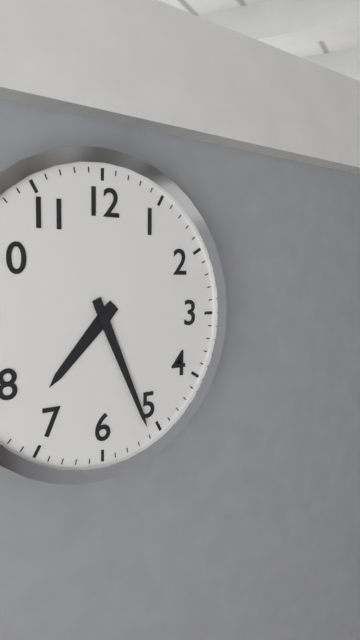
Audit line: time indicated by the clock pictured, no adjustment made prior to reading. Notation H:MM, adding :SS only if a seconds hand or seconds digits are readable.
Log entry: 7:26
